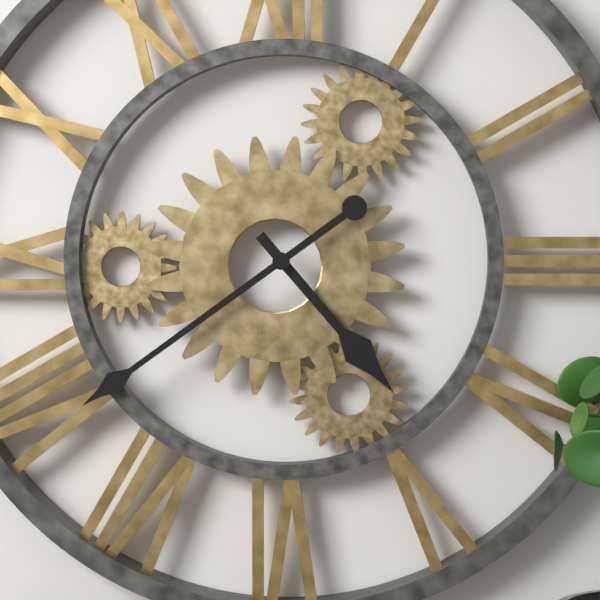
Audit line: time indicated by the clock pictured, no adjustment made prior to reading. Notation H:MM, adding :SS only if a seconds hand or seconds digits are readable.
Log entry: 4:39
